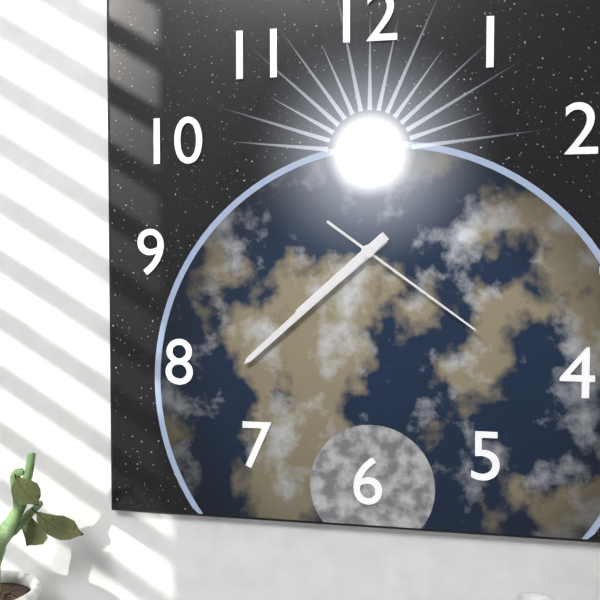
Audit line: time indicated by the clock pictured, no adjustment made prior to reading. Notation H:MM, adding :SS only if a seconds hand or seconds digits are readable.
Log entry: 7:38:21
